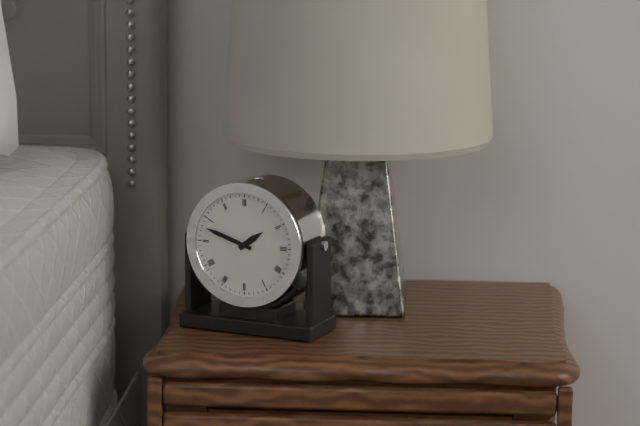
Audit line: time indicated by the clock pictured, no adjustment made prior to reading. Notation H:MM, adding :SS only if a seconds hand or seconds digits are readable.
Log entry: 1:48
